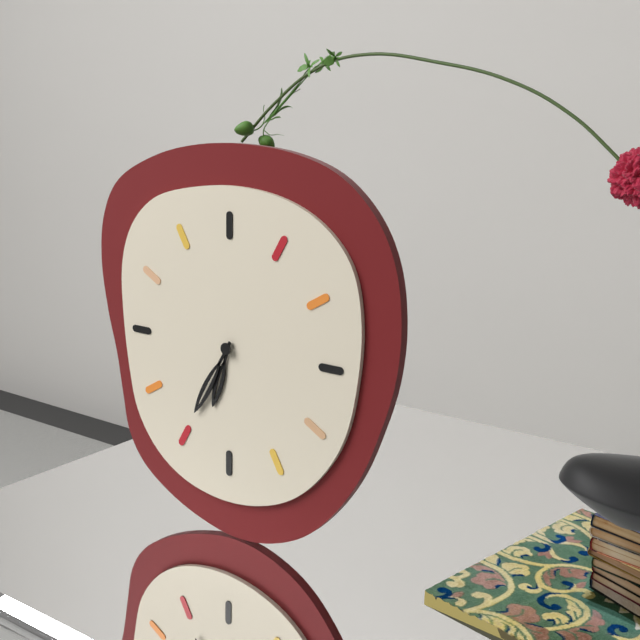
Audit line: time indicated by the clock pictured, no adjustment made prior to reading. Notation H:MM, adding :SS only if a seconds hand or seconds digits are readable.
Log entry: 6:35
